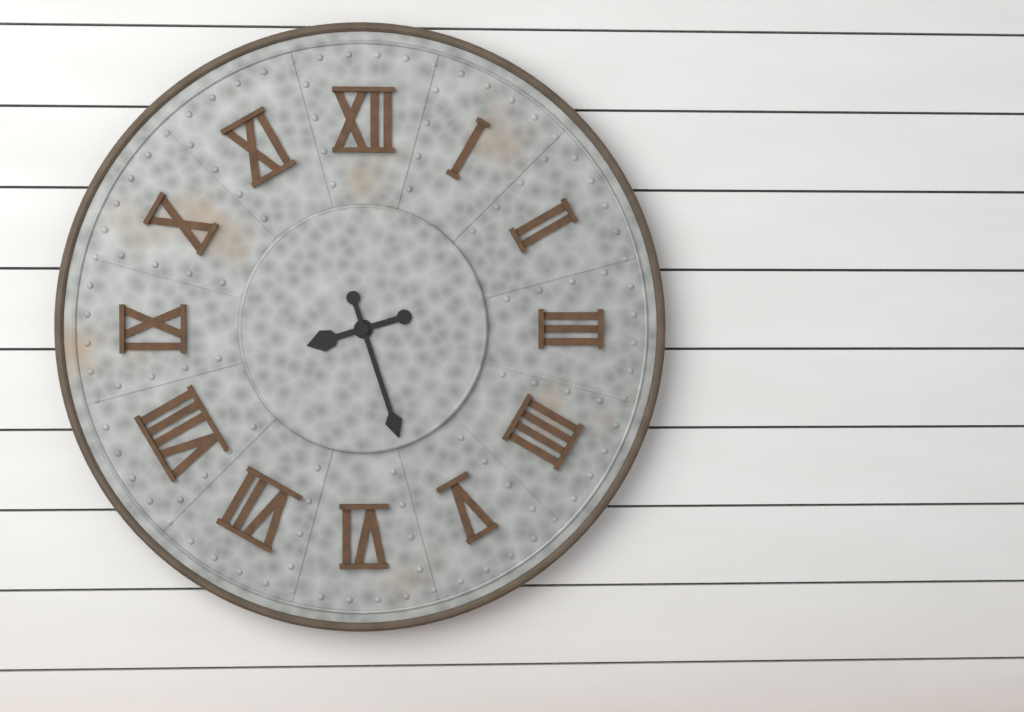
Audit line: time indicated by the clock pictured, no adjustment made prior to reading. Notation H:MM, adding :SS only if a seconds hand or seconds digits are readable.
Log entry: 8:27
